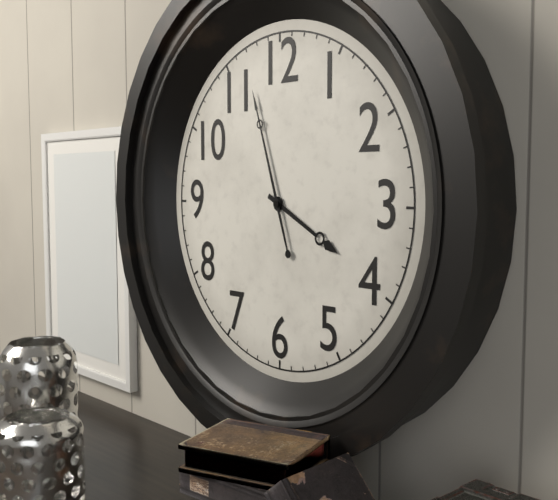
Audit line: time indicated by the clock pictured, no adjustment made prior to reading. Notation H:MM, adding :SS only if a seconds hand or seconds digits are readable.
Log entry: 3:57
